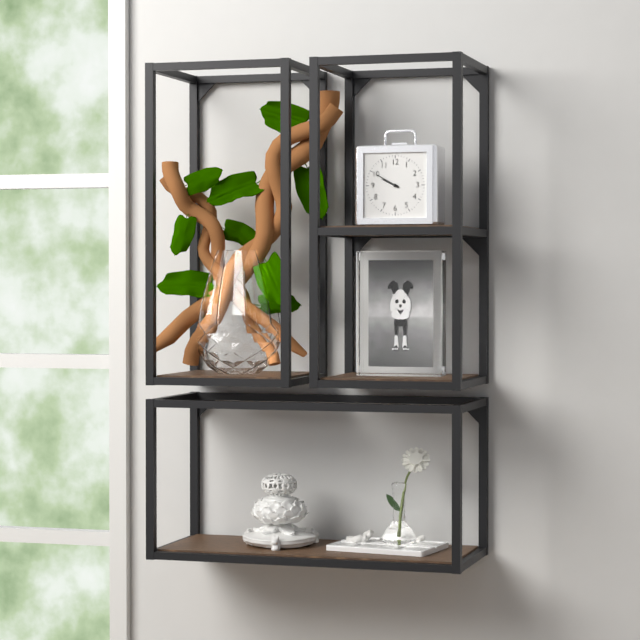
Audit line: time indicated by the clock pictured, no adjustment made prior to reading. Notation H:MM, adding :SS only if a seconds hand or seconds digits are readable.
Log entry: 9:50
